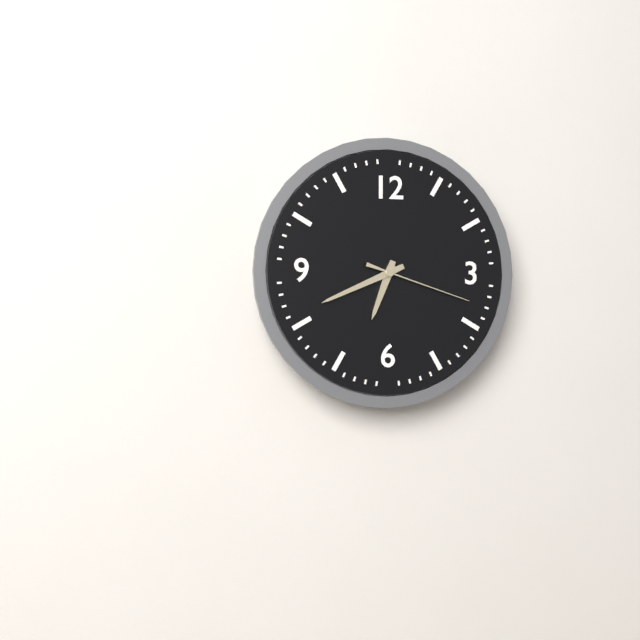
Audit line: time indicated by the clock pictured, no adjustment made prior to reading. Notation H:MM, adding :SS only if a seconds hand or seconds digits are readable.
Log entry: 6:41:18
